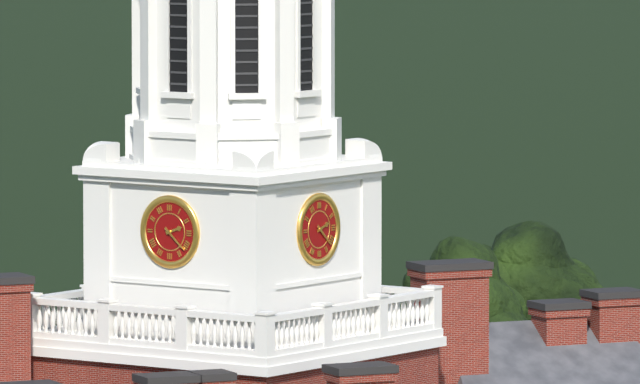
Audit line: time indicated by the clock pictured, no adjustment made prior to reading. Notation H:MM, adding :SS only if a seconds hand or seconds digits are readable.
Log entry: 2:22
